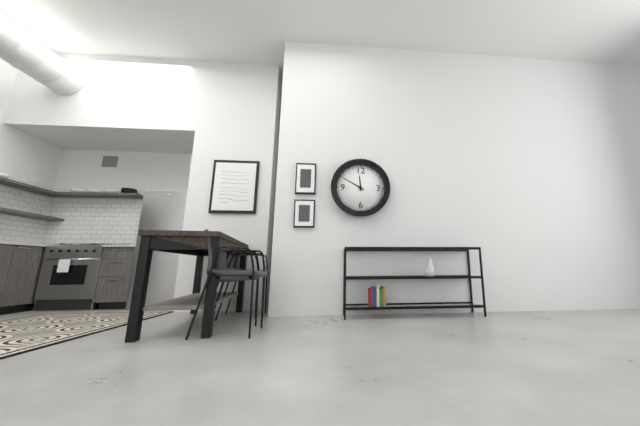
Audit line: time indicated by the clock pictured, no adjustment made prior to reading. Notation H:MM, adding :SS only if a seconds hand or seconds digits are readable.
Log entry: 11:50
